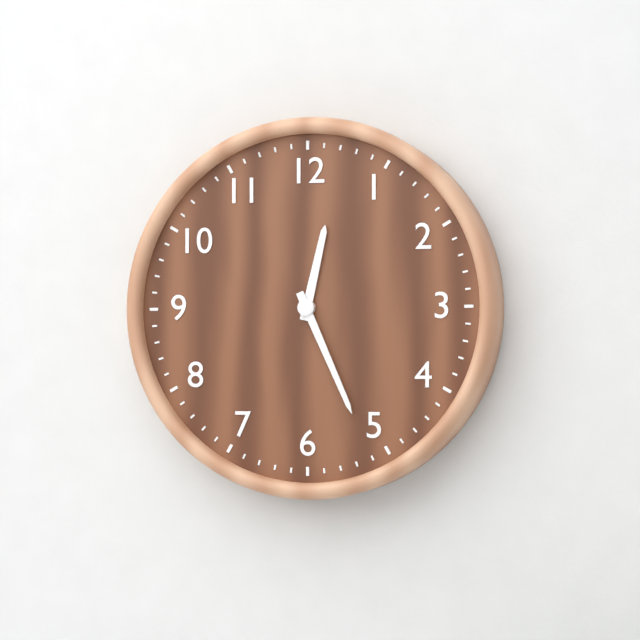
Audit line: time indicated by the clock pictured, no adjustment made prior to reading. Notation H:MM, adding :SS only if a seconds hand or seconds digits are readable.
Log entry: 12:26
